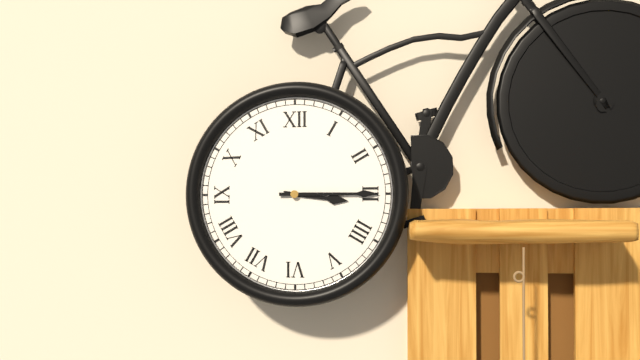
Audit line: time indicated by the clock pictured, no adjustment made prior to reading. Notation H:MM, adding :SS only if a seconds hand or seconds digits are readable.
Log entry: 3:15
